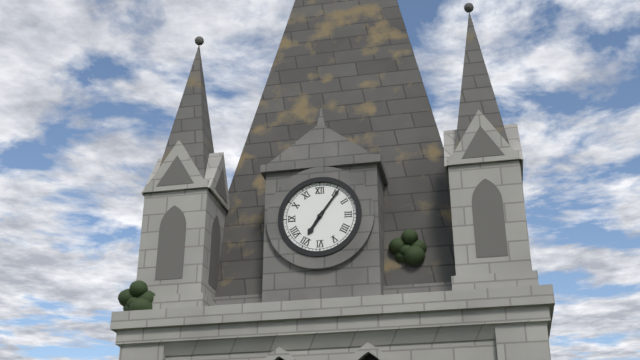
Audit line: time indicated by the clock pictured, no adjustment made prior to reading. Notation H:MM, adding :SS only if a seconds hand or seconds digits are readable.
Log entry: 7:06
